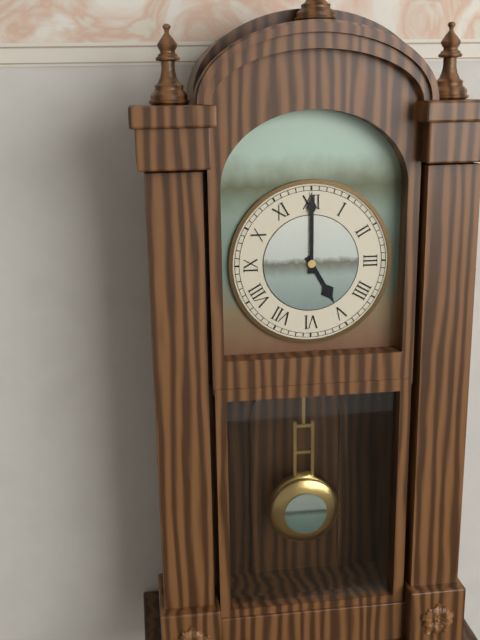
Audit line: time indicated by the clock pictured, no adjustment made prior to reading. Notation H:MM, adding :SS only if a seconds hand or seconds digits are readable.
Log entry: 5:00
